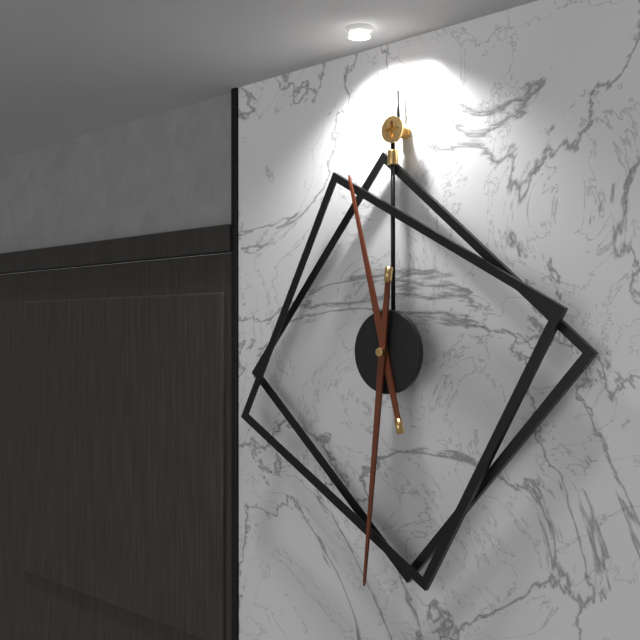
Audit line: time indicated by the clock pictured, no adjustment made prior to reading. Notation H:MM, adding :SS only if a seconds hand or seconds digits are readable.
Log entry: 11:31
